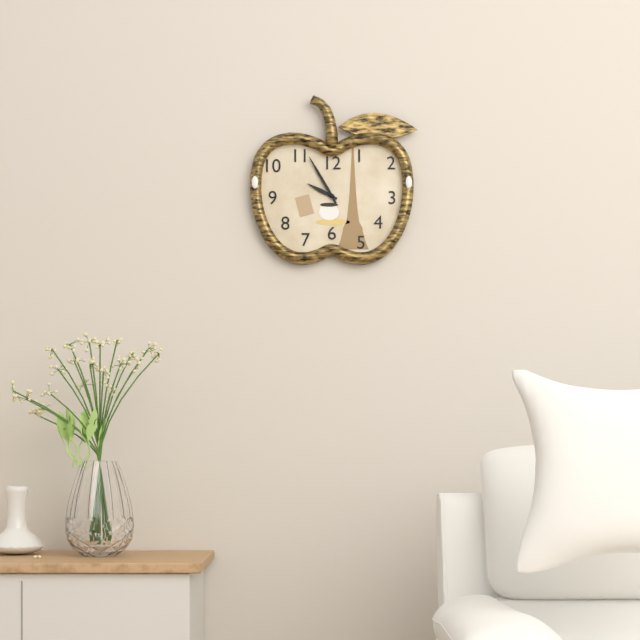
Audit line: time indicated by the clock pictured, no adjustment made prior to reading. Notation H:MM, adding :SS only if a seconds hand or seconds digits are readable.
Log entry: 9:55
